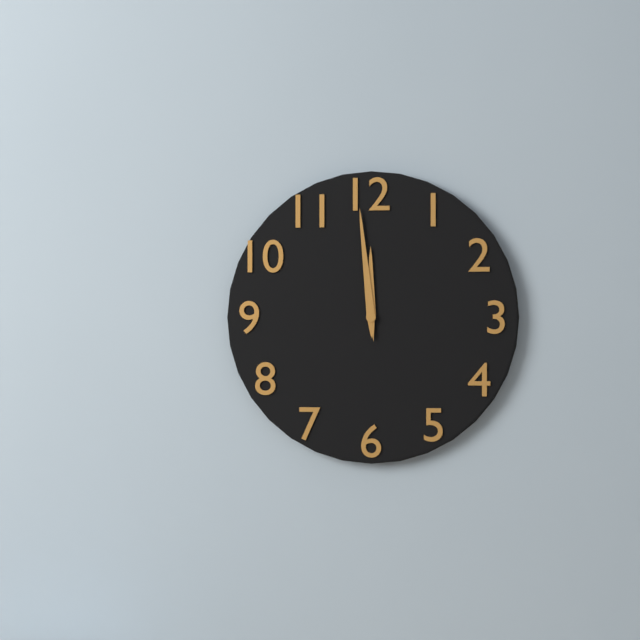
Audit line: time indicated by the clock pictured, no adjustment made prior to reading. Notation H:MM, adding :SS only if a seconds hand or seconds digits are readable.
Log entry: 11:59
